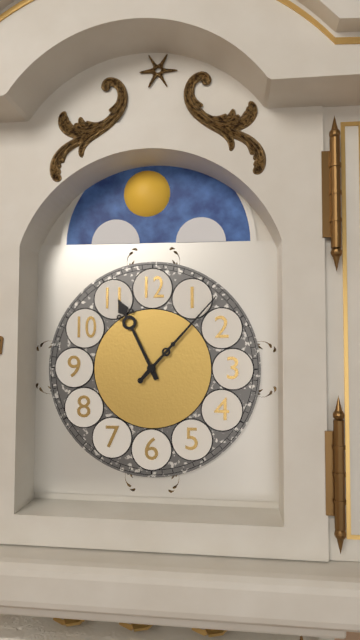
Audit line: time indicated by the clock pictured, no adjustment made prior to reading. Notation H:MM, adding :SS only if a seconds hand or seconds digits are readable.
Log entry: 11:07
